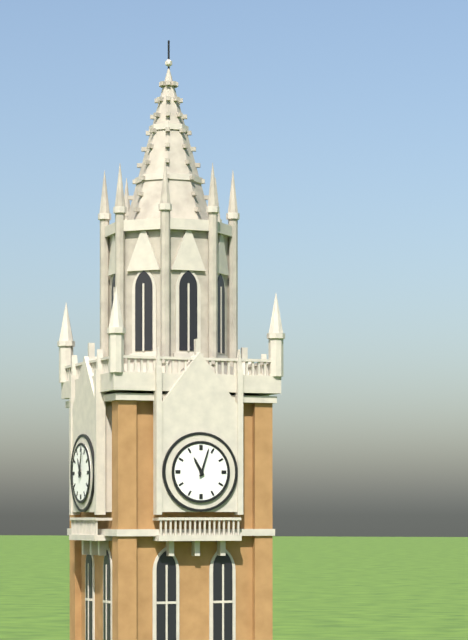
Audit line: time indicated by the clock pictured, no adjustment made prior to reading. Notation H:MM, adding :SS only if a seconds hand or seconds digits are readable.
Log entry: 11:03
